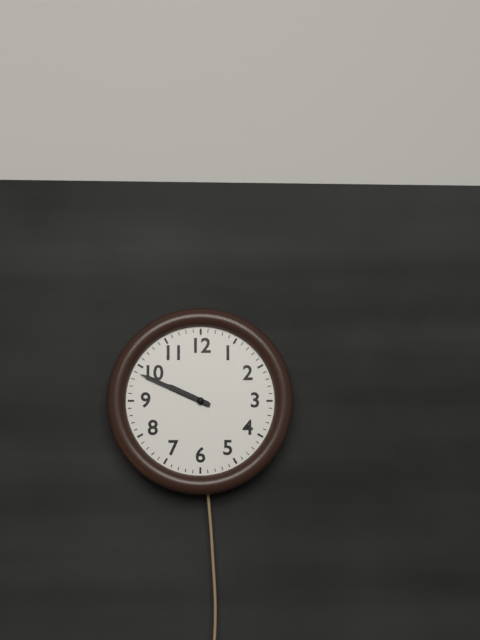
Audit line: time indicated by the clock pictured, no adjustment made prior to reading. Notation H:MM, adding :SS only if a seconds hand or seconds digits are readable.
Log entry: 9:49
